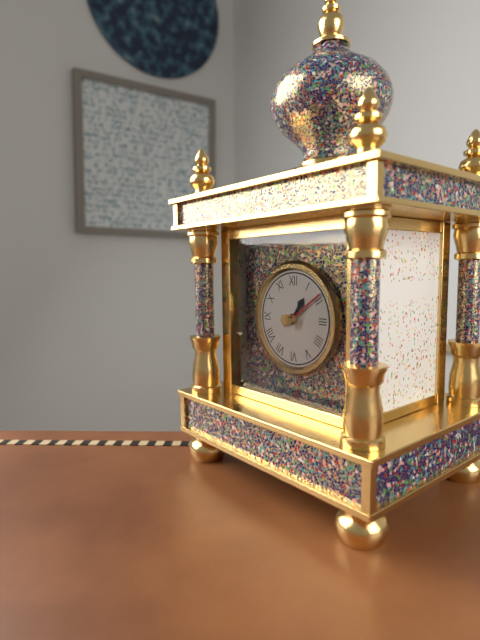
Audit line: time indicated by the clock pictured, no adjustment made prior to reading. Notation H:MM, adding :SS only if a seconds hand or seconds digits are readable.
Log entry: 1:09
